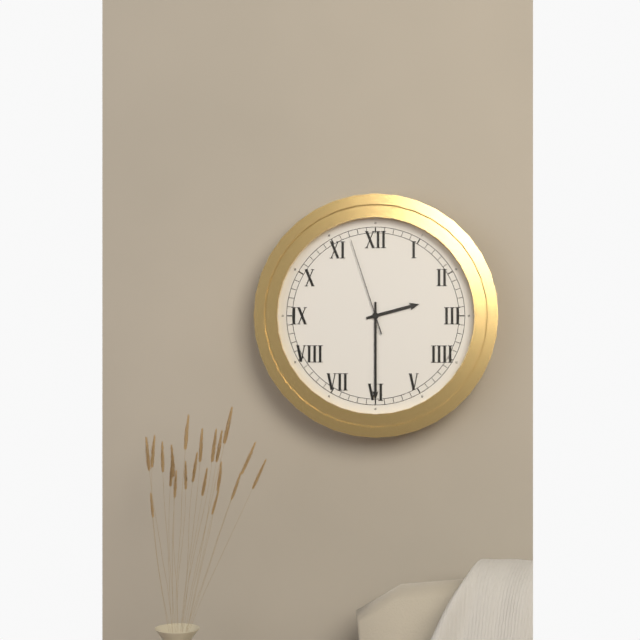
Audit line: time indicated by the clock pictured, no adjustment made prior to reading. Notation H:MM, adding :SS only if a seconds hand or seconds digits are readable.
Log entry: 2:30:57
